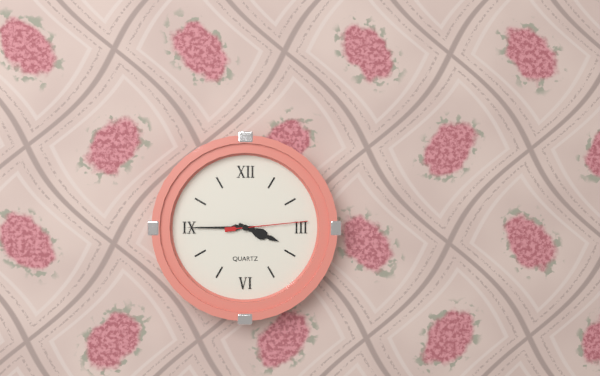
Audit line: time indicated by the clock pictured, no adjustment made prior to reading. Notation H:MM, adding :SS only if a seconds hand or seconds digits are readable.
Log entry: 3:45:14
